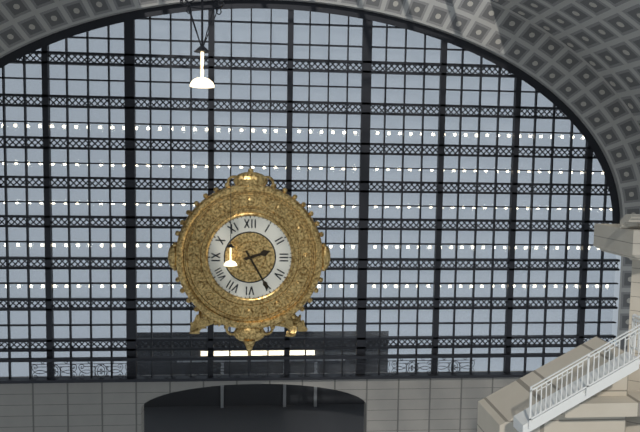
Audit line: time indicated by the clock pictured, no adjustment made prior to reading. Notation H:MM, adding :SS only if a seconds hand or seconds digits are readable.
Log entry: 2:25
